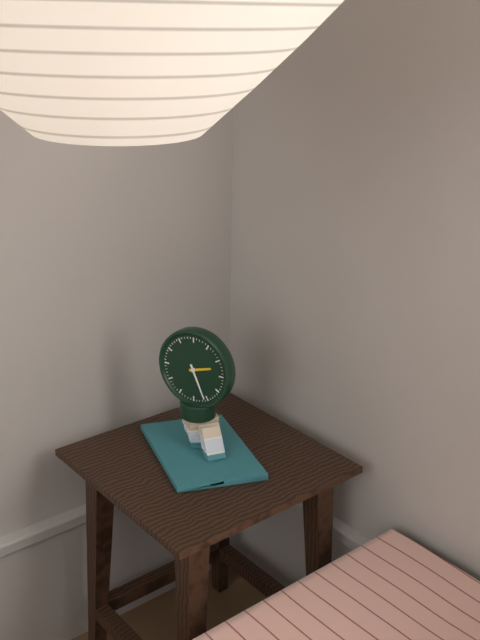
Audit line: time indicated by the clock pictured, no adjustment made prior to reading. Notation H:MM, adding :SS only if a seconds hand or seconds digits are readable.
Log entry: 2:26
